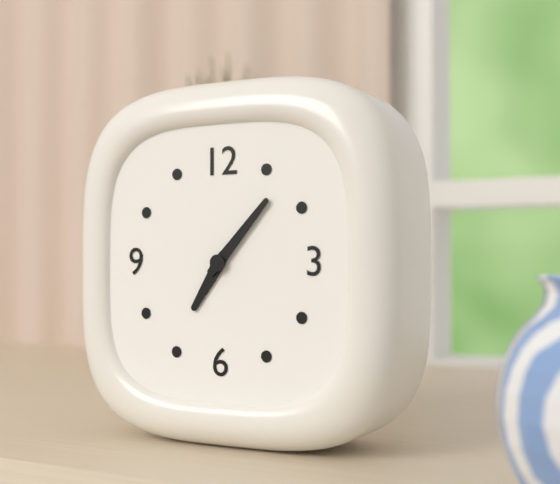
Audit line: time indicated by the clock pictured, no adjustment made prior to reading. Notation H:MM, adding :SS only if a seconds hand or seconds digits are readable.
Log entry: 7:07
